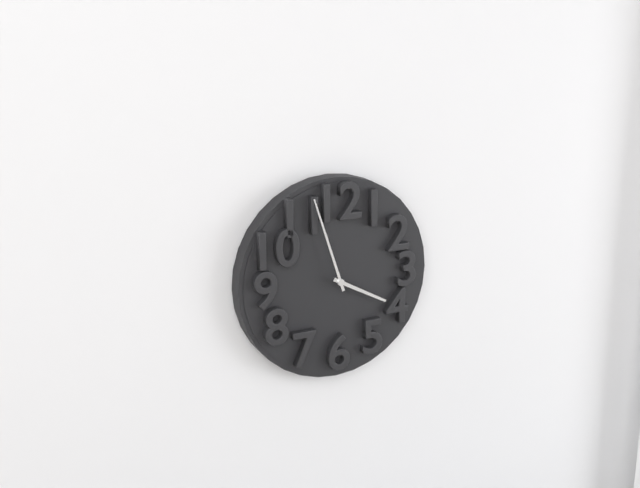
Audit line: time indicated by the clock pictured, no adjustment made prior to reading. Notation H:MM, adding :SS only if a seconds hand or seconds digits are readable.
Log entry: 3:57
